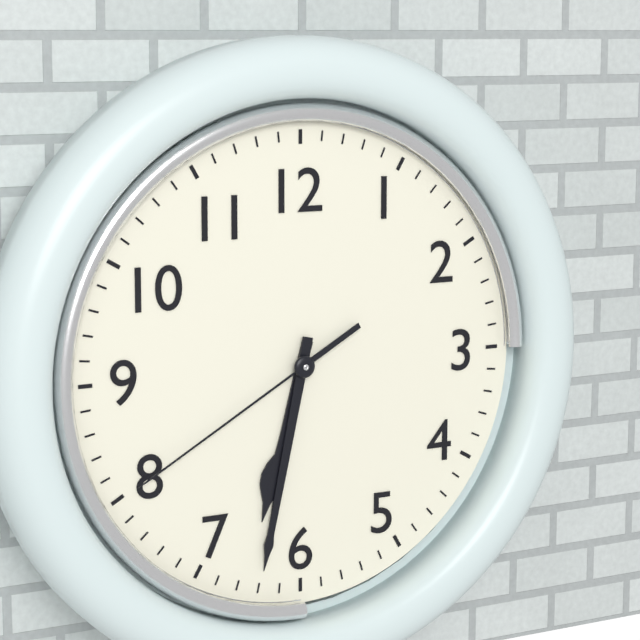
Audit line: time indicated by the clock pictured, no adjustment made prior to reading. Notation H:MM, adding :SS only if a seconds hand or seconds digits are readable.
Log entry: 6:32:40
